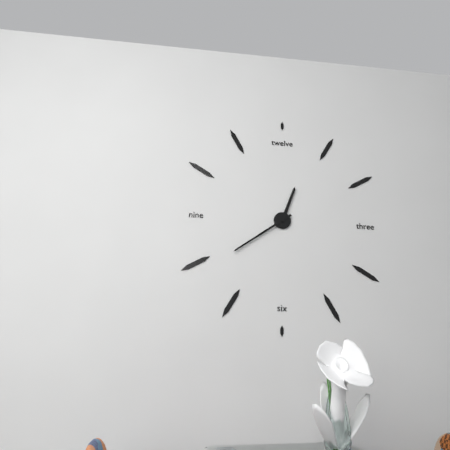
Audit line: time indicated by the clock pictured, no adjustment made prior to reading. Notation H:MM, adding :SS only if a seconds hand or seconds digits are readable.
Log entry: 12:39
